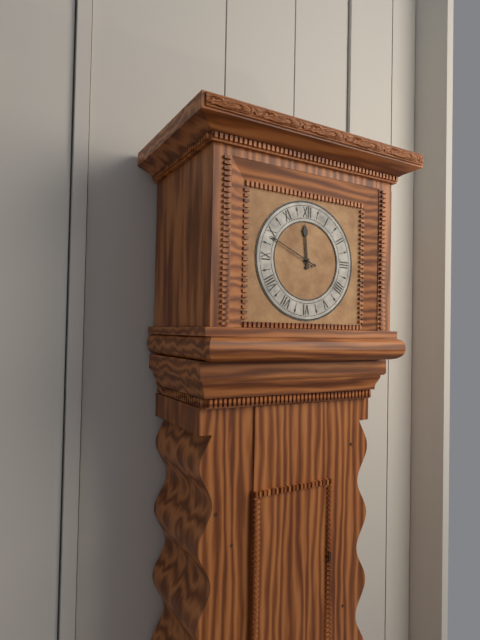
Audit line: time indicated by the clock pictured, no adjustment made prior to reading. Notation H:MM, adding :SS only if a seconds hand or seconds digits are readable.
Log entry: 11:49
